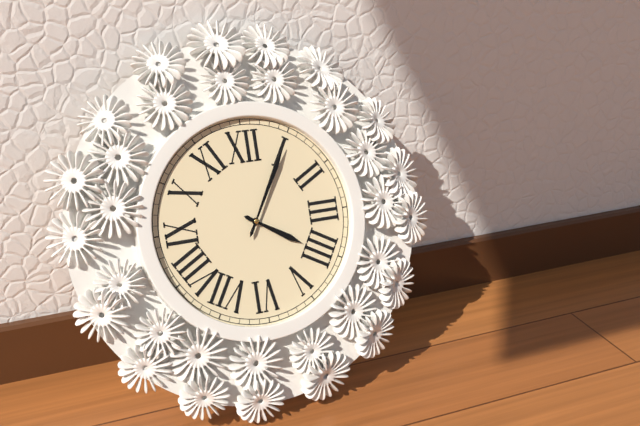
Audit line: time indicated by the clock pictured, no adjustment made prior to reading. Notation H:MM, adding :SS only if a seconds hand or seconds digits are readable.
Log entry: 4:05
